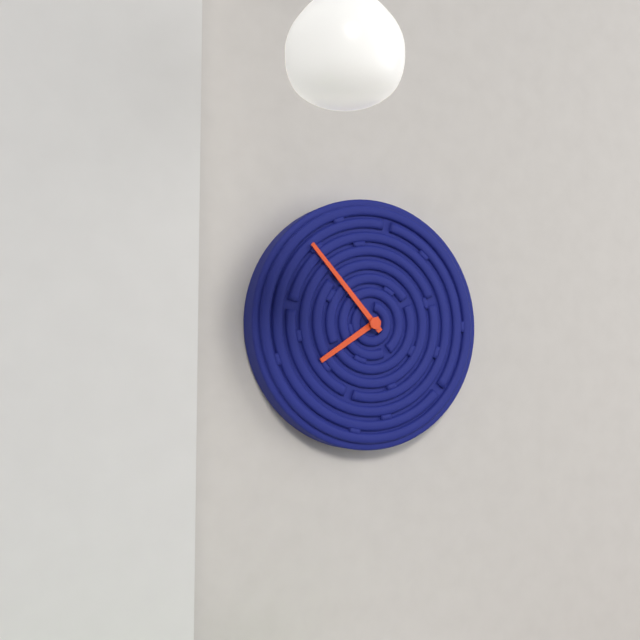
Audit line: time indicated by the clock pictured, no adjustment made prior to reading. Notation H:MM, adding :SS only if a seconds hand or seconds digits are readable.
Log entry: 7:53
